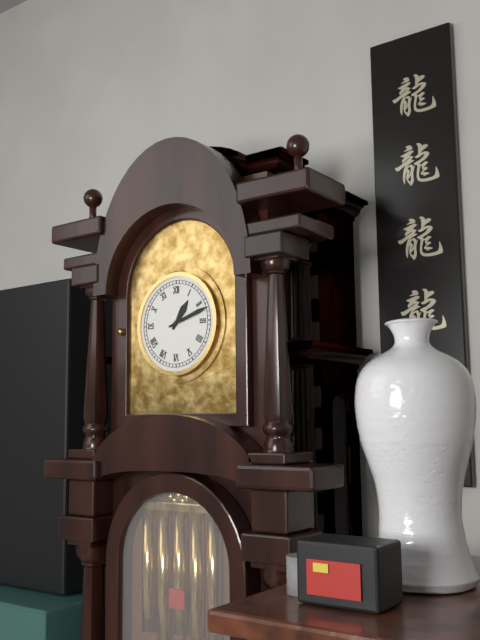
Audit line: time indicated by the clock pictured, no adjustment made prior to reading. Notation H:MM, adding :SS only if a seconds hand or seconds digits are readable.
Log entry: 1:12
